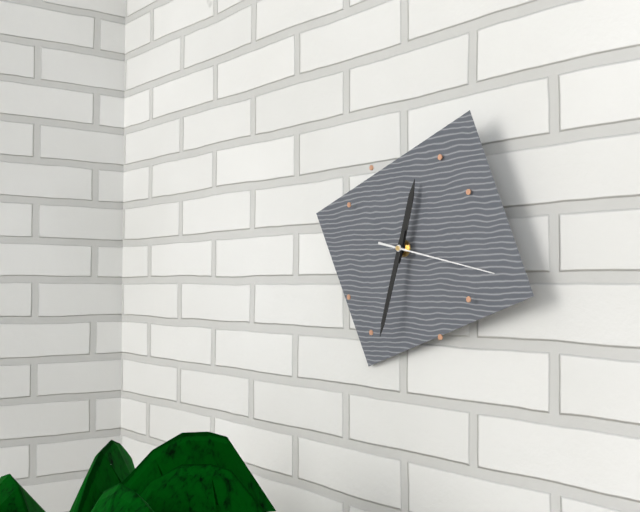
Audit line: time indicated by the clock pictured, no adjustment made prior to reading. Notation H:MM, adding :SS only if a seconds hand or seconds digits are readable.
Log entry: 12:33:17
